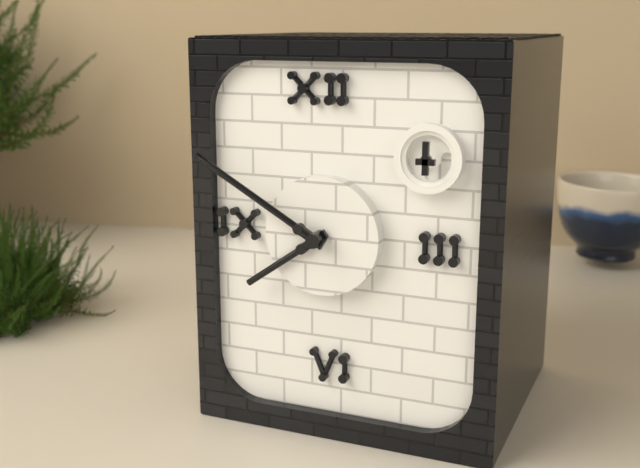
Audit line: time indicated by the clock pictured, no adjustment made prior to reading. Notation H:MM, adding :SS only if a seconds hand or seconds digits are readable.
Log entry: 7:50
